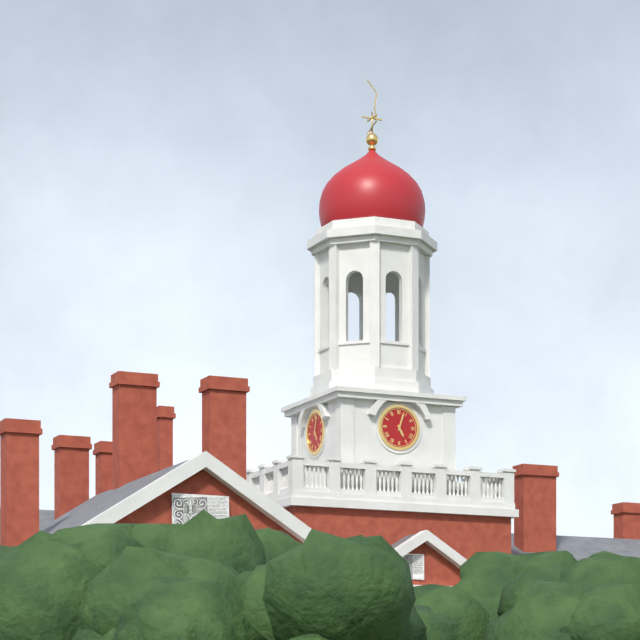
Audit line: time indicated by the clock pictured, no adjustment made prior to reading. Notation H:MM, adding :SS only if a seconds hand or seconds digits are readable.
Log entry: 5:03
